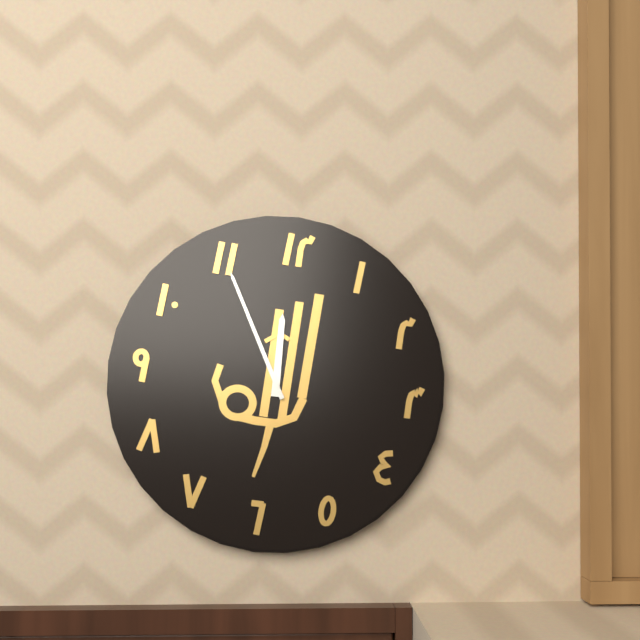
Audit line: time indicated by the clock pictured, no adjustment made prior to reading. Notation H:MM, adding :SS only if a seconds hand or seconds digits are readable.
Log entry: 11:55
